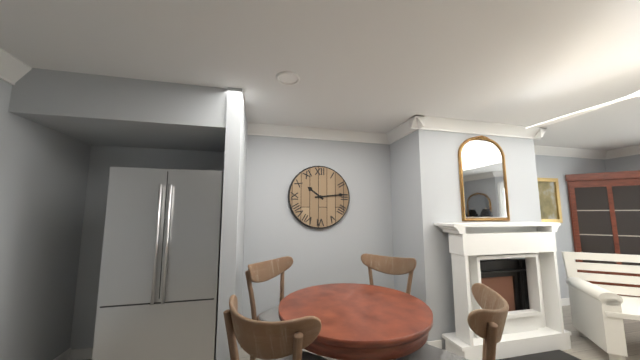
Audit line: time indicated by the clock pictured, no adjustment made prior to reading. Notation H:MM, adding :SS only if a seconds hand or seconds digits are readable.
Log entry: 10:14
